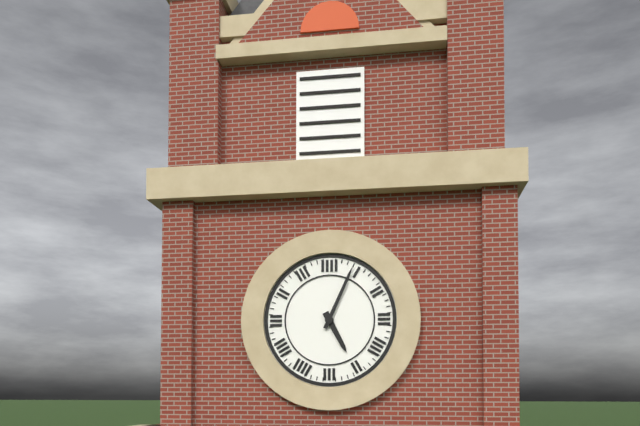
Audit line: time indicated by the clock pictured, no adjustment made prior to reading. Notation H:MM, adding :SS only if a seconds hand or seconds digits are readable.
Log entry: 5:04
